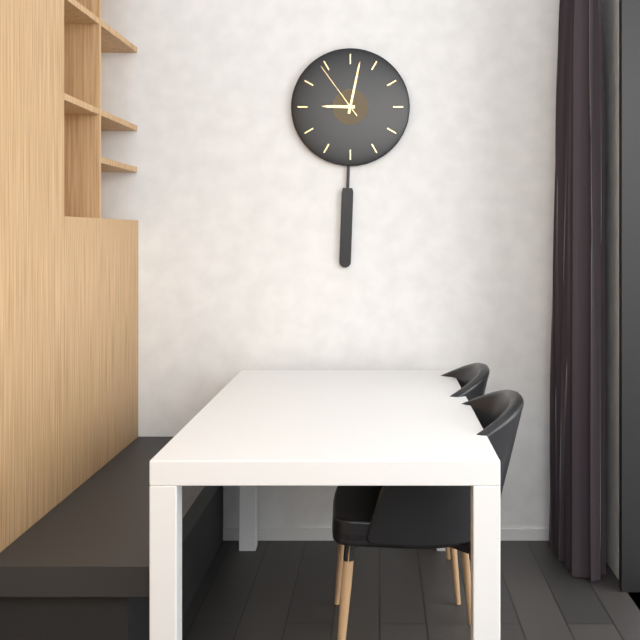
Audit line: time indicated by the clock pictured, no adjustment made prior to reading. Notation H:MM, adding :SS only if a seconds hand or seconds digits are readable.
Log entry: 9:02:54
